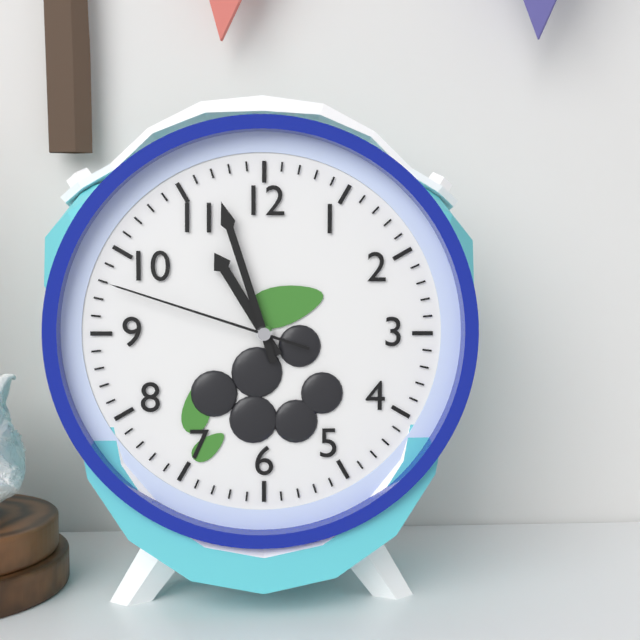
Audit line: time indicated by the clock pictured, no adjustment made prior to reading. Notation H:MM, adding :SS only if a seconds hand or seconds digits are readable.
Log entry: 10:57:48
